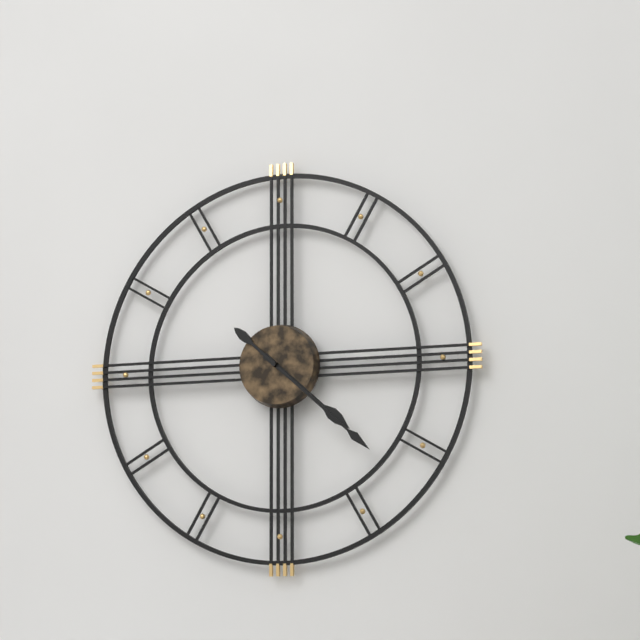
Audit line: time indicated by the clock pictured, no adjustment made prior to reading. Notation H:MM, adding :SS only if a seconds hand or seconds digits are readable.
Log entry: 4:22
